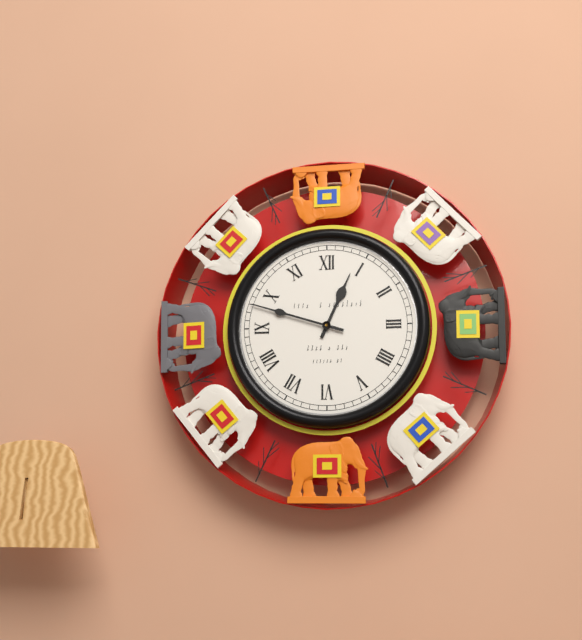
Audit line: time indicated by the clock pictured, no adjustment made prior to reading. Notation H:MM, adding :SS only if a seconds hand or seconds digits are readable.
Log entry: 12:48
